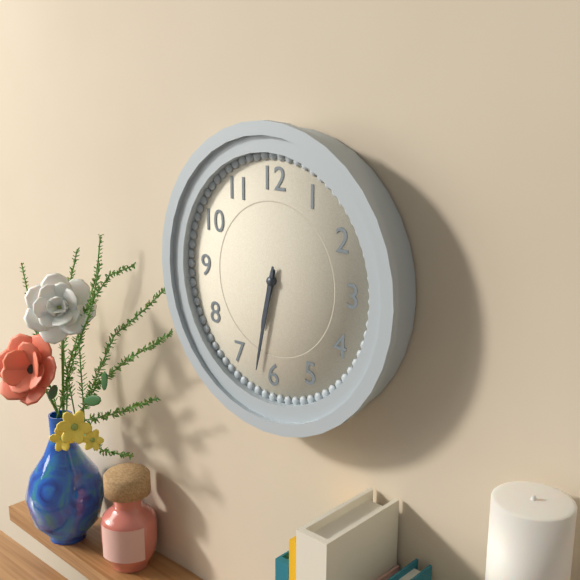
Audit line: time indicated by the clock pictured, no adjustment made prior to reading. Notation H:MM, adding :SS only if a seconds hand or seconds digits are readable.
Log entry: 6:32
